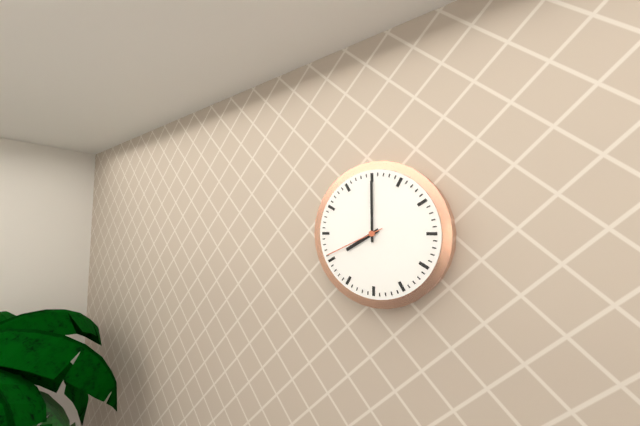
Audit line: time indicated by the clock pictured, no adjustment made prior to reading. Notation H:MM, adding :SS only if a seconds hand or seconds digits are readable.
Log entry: 8:00:41
